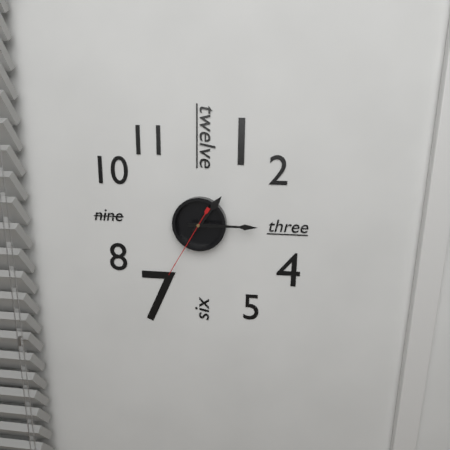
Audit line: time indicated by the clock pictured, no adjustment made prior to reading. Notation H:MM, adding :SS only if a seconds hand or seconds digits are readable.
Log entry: 1:15:35
